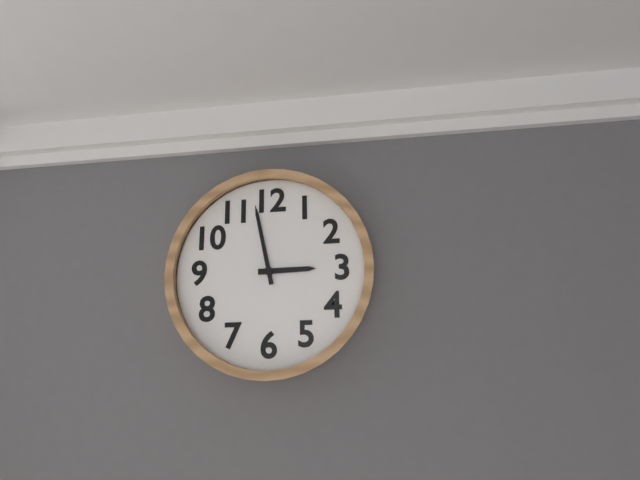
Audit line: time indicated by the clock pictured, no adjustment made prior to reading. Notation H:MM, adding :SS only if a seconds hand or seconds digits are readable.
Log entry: 2:58
